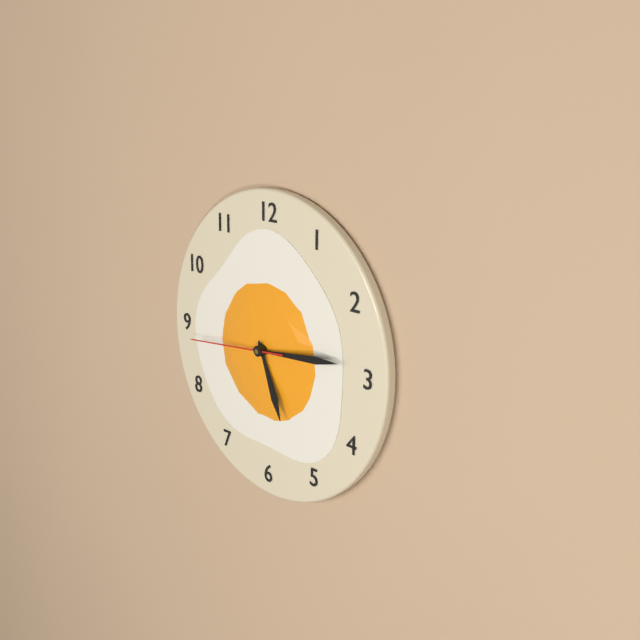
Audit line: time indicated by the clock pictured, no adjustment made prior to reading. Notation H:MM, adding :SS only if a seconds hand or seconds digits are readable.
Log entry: 5:14:44
